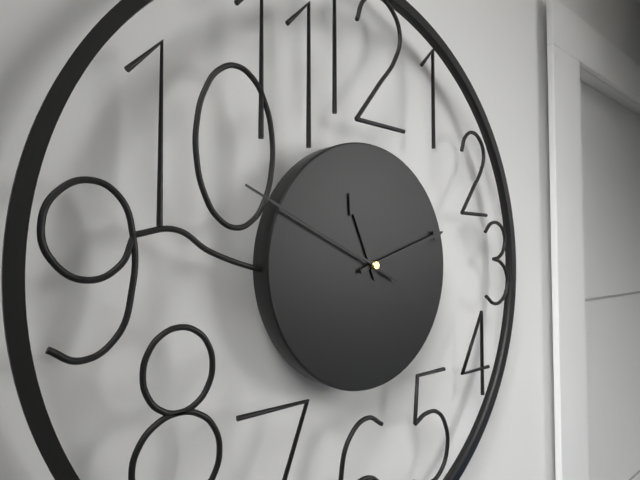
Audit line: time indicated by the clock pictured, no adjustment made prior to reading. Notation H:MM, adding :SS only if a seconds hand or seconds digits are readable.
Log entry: 11:12:49
